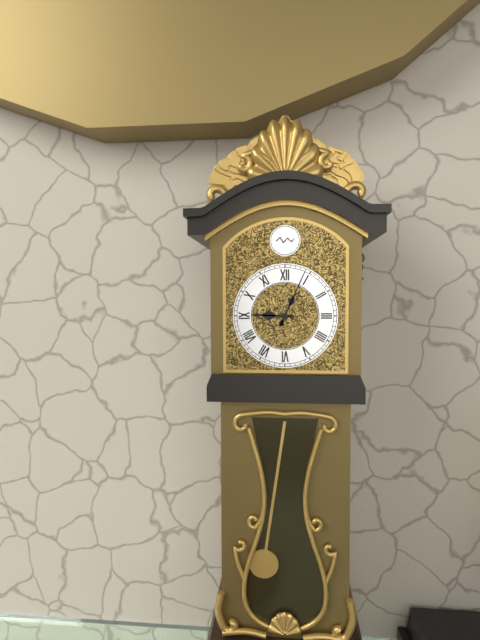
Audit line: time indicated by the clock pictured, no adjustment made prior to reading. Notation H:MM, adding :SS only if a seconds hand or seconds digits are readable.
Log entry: 9:04
